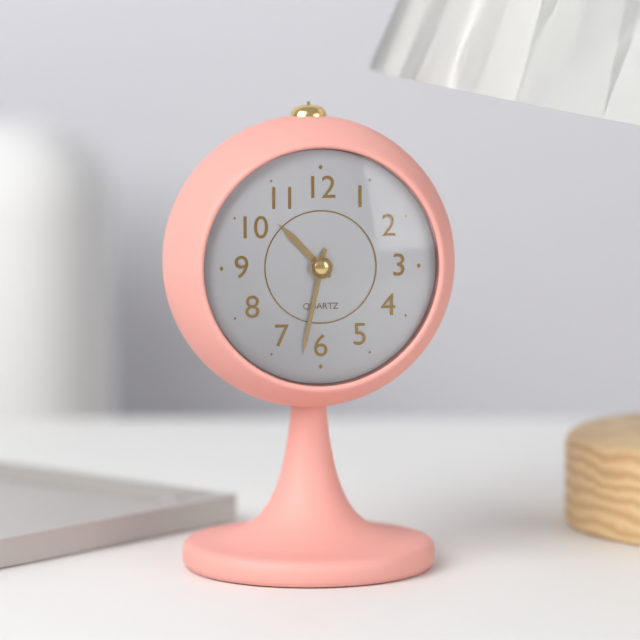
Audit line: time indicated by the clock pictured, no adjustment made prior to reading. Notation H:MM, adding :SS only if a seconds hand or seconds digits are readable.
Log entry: 10:32
